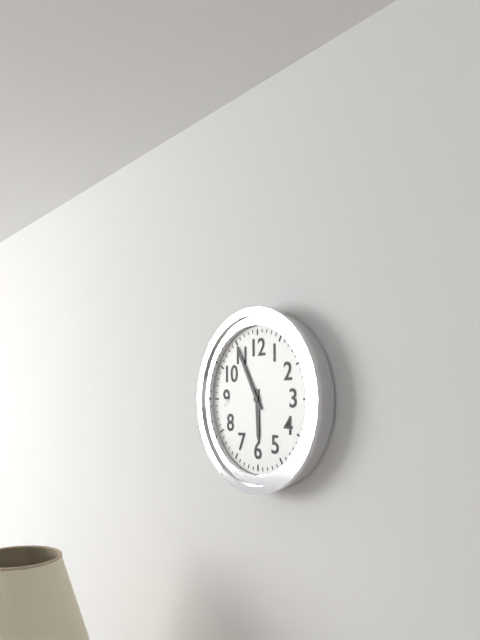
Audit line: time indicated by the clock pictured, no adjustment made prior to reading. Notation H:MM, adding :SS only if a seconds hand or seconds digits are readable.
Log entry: 5:55
